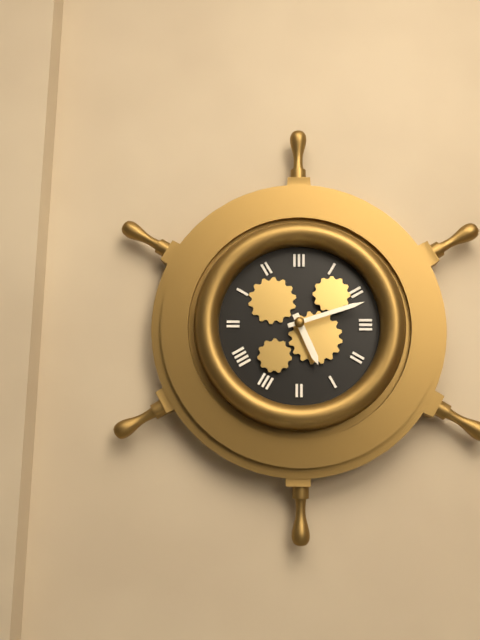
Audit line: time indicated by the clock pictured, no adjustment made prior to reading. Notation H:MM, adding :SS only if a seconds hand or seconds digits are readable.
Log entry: 5:12
